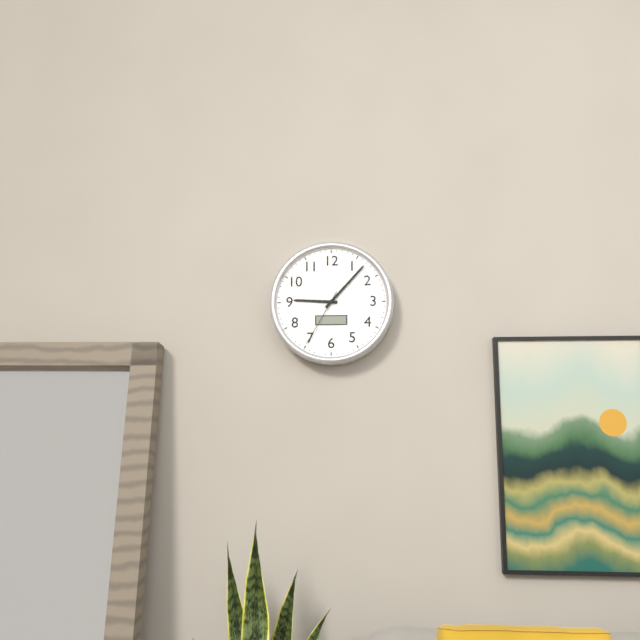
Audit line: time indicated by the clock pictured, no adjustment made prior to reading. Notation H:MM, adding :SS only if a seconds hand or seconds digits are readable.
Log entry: 9:07:35
